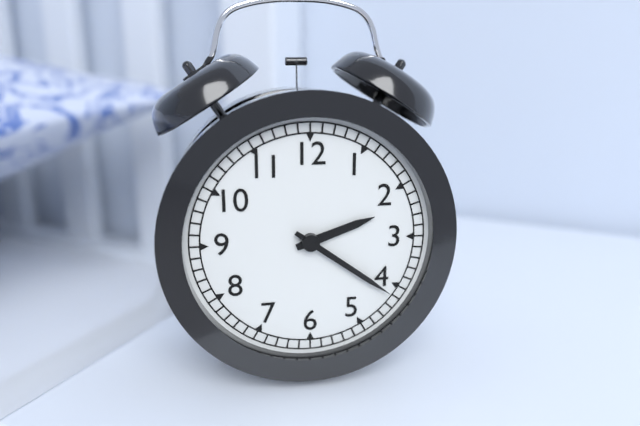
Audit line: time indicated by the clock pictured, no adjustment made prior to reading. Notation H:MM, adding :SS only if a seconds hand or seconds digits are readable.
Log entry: 2:21
